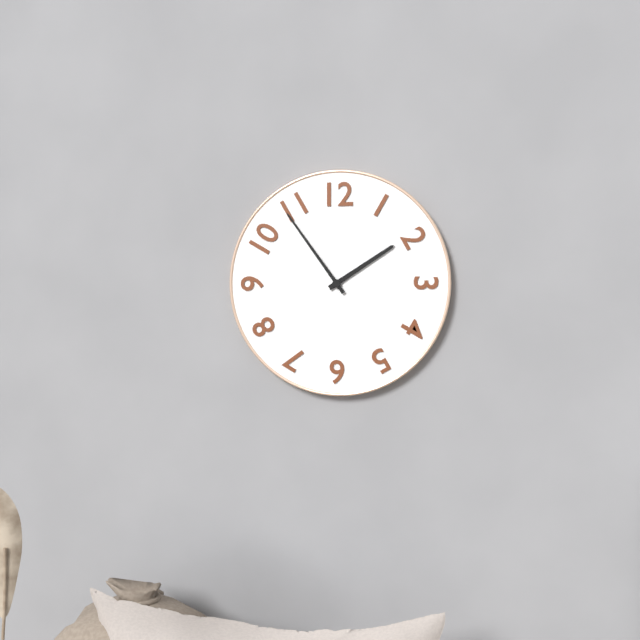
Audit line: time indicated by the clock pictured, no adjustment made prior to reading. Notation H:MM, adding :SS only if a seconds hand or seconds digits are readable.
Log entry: 1:54
